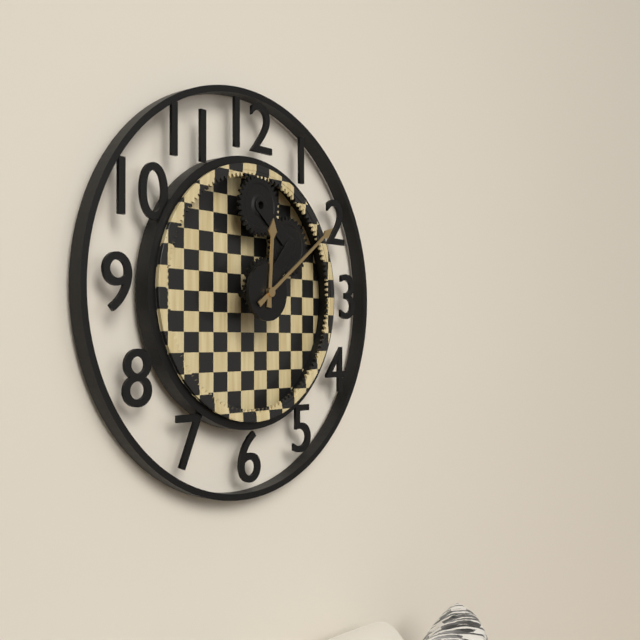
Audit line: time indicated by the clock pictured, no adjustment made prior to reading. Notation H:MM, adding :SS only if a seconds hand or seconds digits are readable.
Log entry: 12:09
